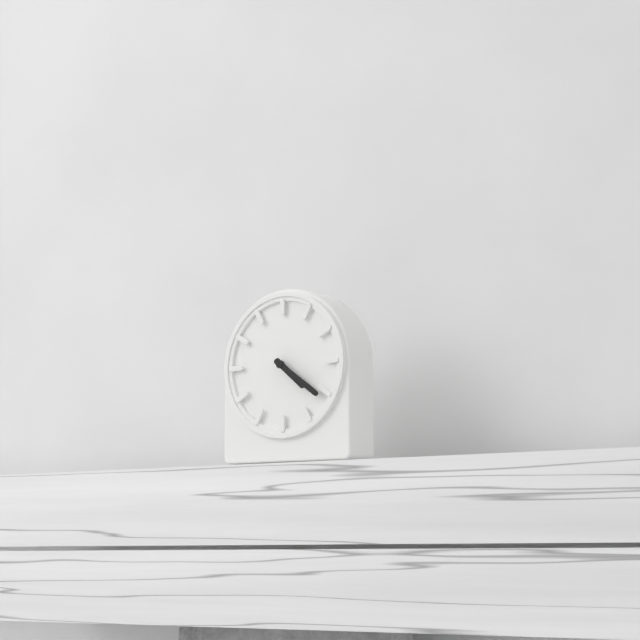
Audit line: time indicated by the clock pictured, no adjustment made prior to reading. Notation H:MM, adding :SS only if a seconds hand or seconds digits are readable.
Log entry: 4:21
